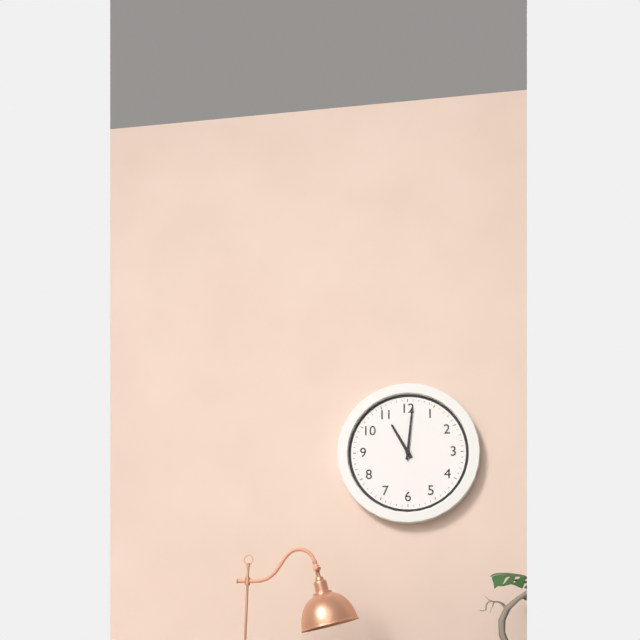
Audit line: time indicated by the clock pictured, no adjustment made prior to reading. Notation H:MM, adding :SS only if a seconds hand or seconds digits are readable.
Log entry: 11:01
